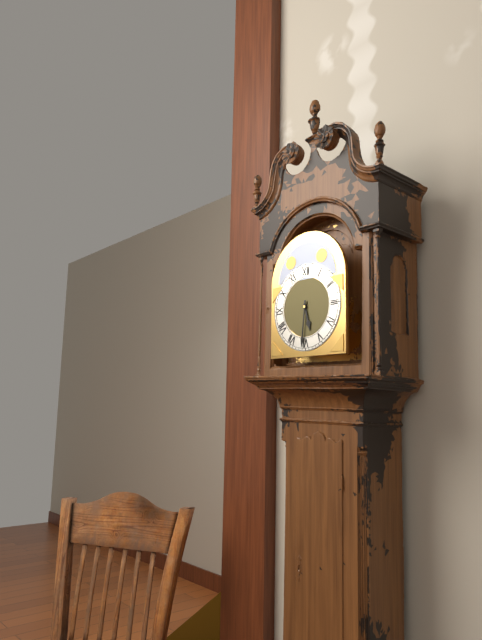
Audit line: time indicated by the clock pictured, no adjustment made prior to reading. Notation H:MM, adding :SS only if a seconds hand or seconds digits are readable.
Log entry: 5:31
